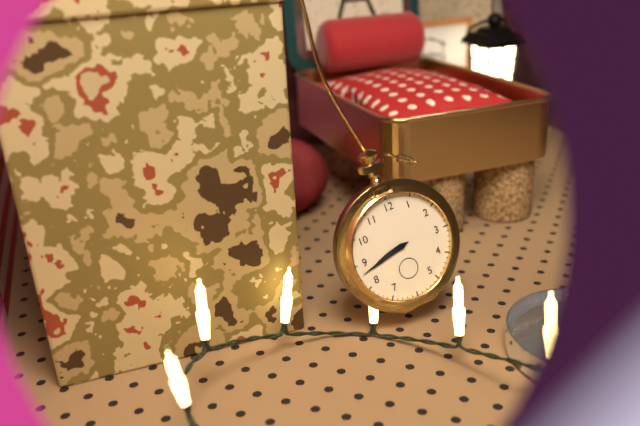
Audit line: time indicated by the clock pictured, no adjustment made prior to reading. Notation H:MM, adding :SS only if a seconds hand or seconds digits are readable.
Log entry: 8:43
